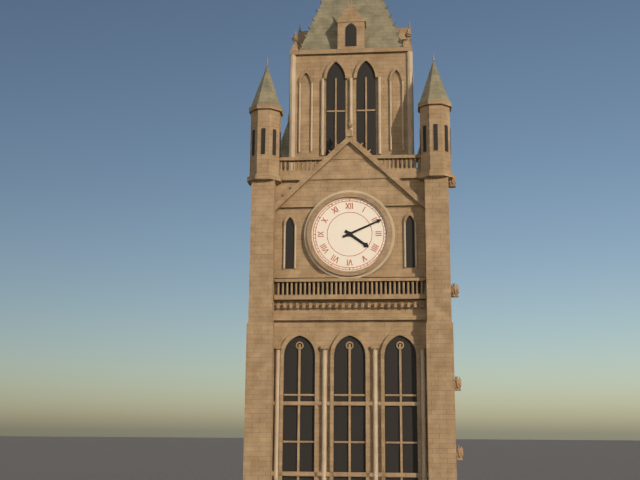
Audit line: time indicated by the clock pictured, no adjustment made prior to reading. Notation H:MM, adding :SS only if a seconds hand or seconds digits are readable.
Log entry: 4:11
